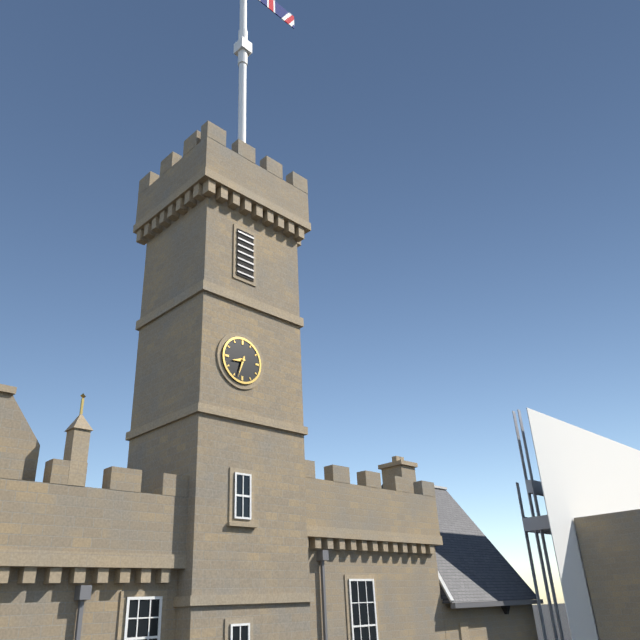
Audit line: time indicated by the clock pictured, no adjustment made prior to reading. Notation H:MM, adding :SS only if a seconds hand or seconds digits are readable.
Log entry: 8:33
